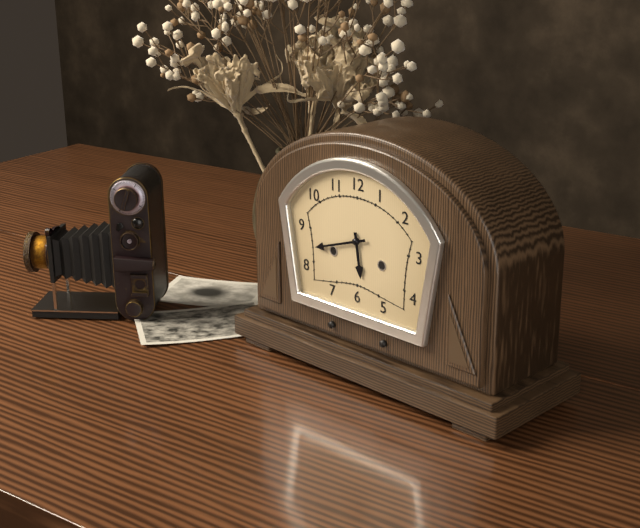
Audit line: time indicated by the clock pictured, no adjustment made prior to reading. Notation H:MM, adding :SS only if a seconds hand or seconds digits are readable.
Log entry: 5:42
